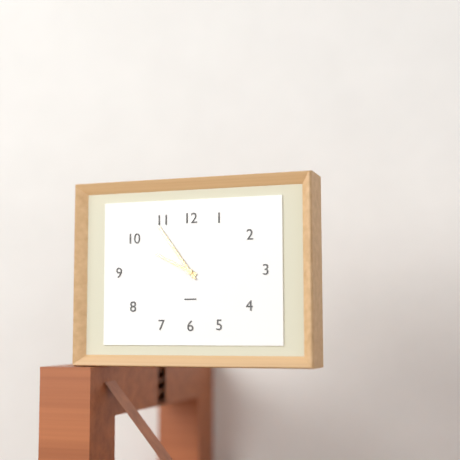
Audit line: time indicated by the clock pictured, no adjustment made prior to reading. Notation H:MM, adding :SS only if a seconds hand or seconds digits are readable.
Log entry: 9:54
